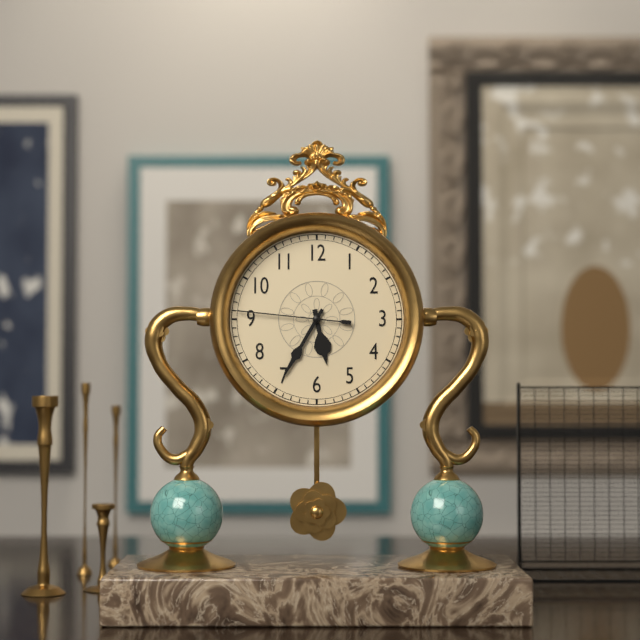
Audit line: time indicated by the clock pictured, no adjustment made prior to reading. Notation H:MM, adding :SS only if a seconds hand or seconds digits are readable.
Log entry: 5:35:46
